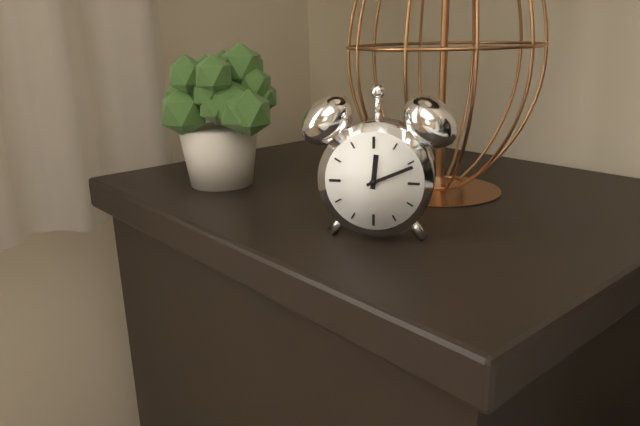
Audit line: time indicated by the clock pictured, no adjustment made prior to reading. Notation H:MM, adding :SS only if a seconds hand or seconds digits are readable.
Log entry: 12:11
